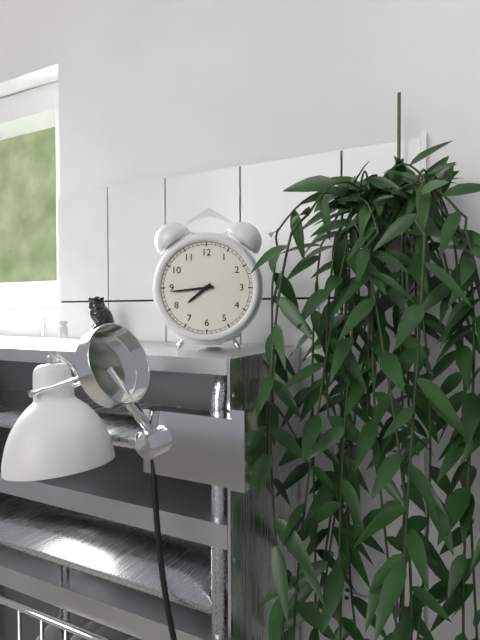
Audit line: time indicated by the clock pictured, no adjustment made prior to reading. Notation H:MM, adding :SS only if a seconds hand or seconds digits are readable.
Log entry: 7:44
